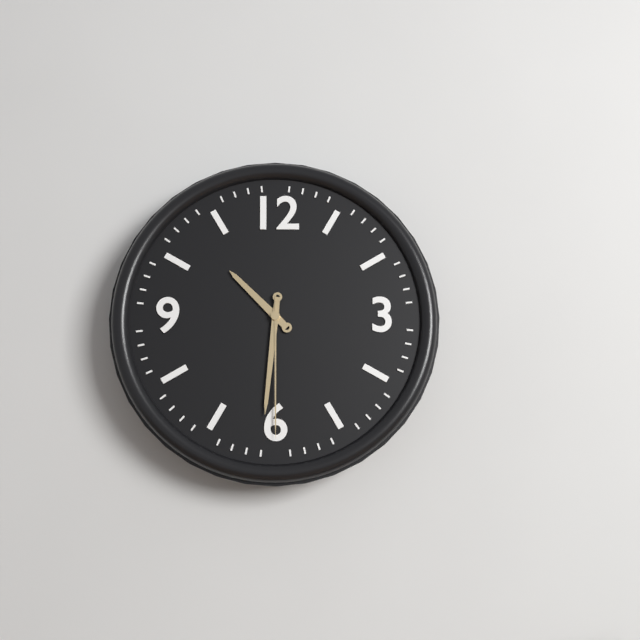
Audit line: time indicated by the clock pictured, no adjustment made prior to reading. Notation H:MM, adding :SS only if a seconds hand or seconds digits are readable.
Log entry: 10:31:30
